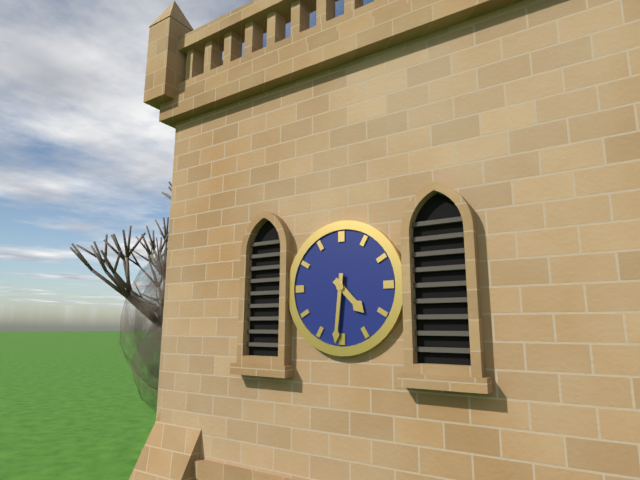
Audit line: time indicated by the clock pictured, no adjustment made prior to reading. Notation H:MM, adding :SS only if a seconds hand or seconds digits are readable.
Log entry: 4:31
